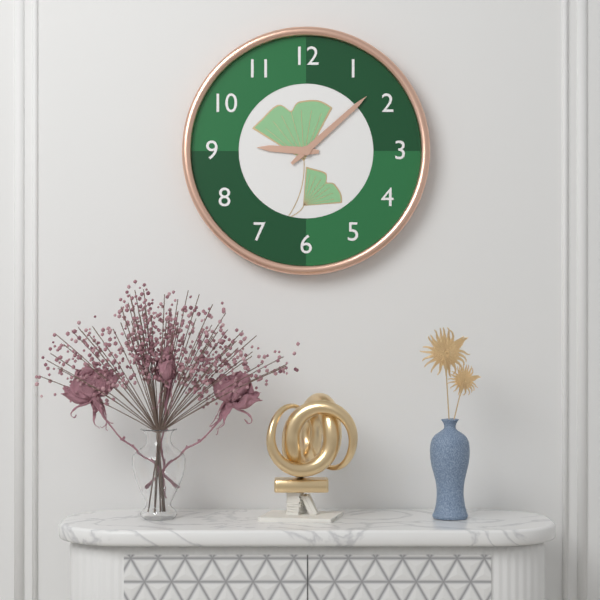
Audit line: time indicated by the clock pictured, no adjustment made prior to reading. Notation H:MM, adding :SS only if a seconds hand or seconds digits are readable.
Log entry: 9:08
